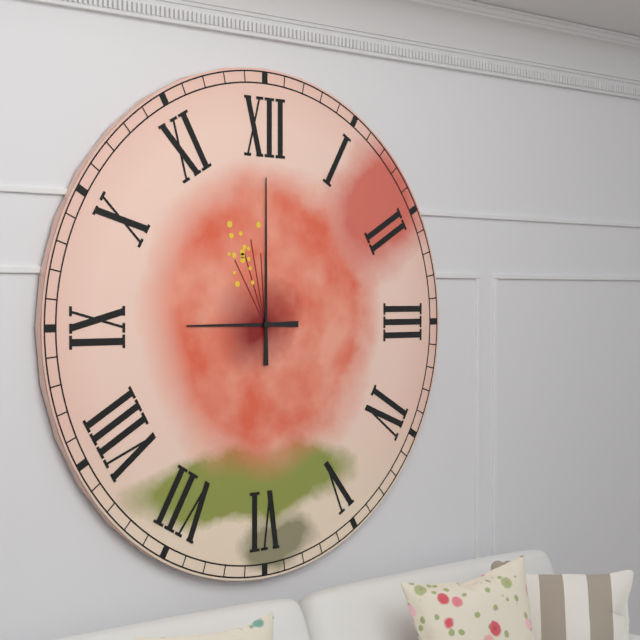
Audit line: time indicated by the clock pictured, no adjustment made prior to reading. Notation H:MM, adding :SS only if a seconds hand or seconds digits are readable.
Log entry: 9:00
